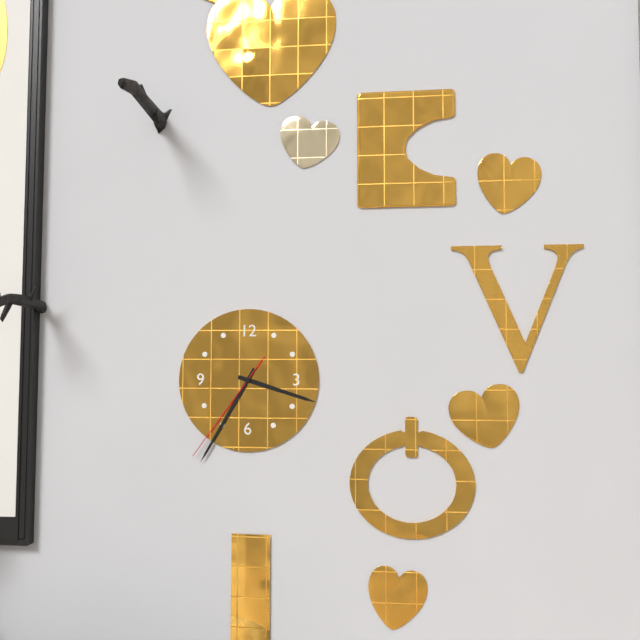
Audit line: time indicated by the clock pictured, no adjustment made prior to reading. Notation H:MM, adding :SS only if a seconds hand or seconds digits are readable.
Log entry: 3:35:36
